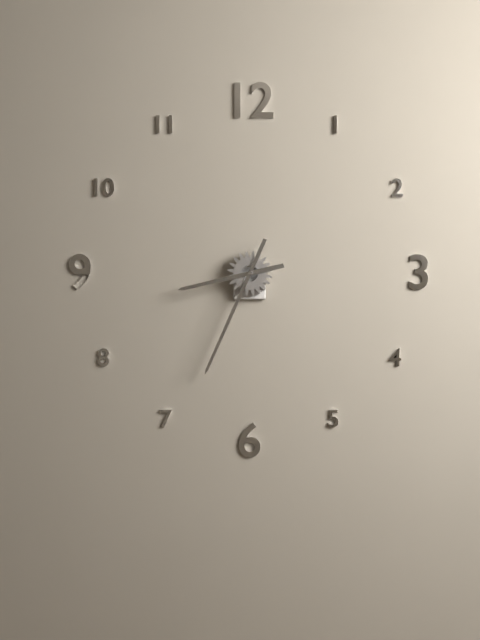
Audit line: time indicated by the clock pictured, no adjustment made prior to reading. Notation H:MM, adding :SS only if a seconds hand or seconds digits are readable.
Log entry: 8:34
